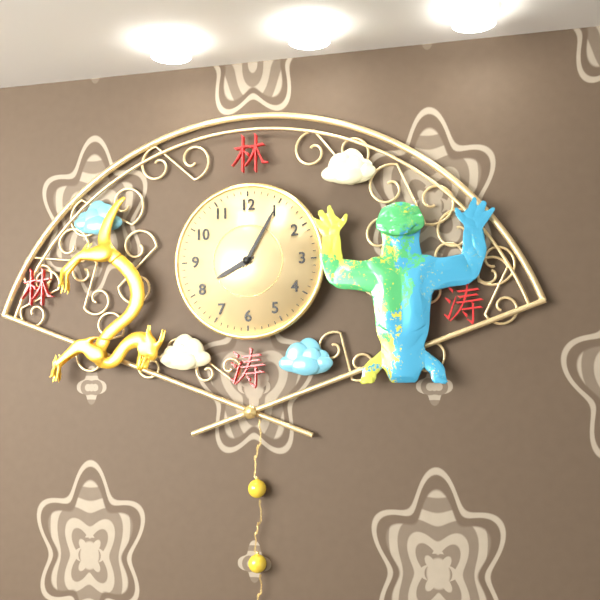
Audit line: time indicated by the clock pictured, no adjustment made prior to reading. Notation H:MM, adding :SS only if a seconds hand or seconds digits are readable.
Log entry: 8:05
